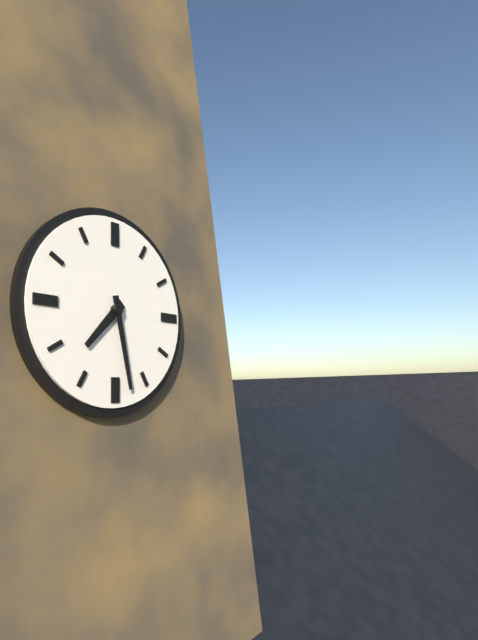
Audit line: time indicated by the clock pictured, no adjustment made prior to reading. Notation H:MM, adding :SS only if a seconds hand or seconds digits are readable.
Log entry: 7:28
